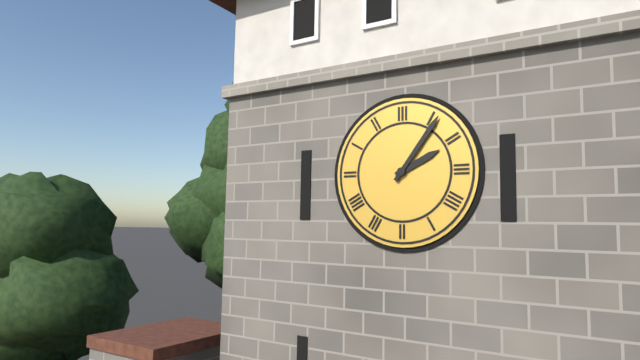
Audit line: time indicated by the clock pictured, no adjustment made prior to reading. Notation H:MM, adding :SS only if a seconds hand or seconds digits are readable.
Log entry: 2:06
